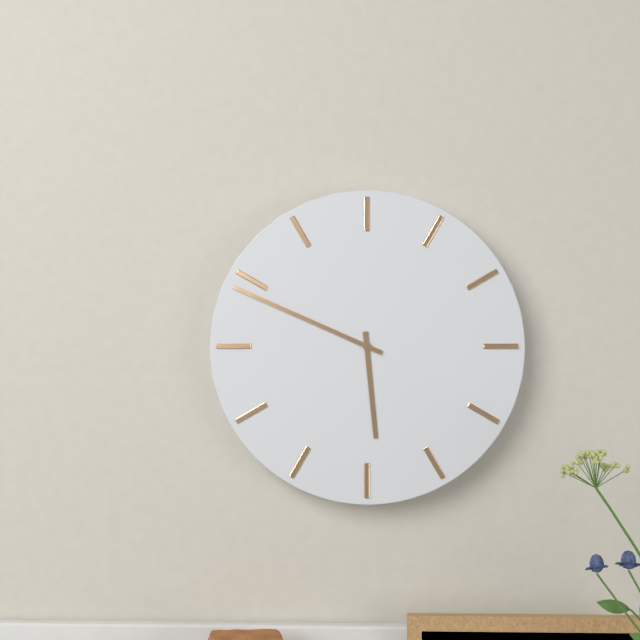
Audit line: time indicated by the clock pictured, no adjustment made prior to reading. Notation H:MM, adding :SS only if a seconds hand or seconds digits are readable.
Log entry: 5:49
